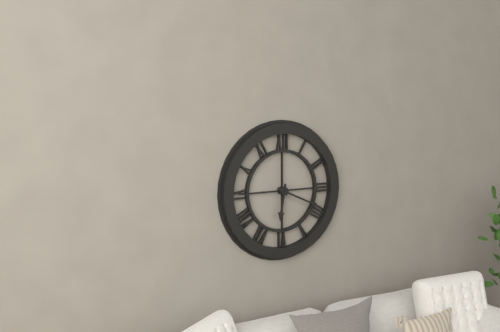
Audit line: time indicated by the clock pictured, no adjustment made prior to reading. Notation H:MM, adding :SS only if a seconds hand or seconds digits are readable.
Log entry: 6:19
